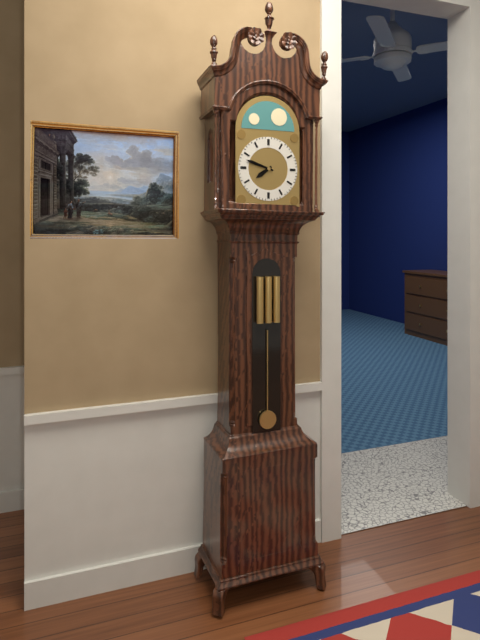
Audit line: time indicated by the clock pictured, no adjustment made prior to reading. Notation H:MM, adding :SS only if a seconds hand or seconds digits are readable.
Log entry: 7:48
